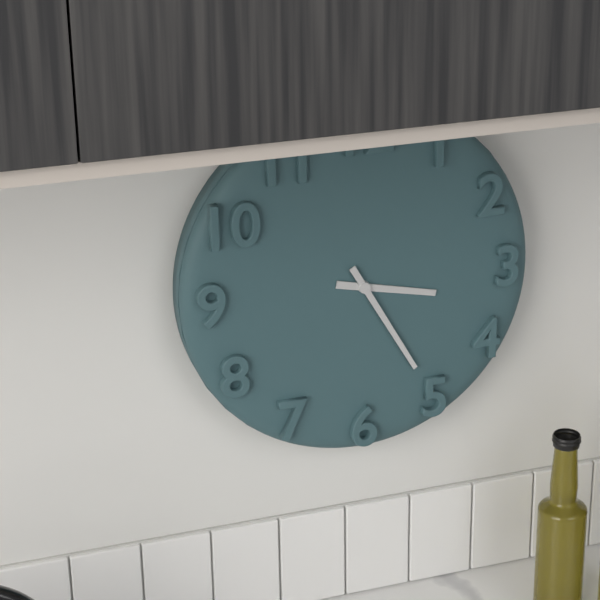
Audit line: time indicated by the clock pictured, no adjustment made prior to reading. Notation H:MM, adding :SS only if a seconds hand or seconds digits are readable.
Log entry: 3:25
